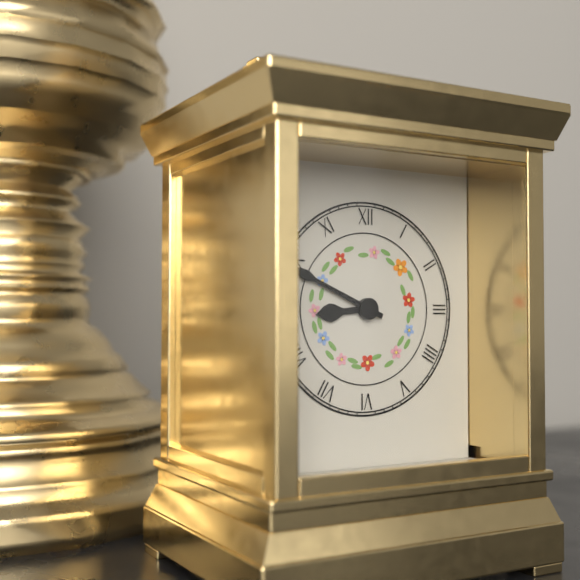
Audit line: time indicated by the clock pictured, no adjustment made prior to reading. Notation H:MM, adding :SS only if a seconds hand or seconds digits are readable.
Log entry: 8:49
